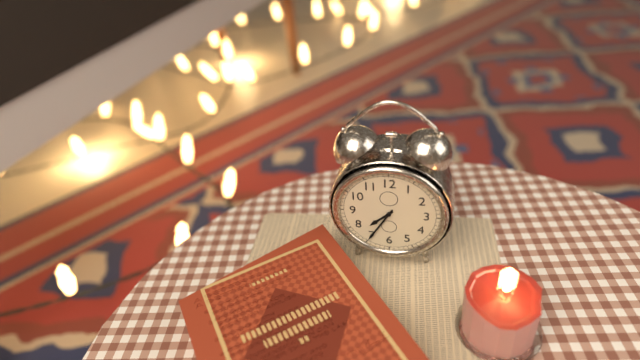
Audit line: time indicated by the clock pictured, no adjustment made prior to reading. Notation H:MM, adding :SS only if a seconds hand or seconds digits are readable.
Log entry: 7:35
